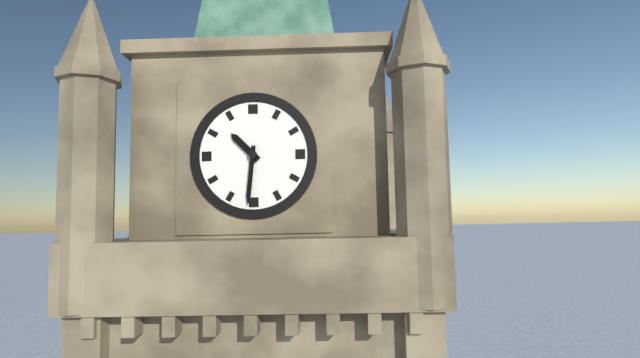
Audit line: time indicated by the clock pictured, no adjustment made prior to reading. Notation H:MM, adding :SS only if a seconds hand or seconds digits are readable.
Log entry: 10:31
